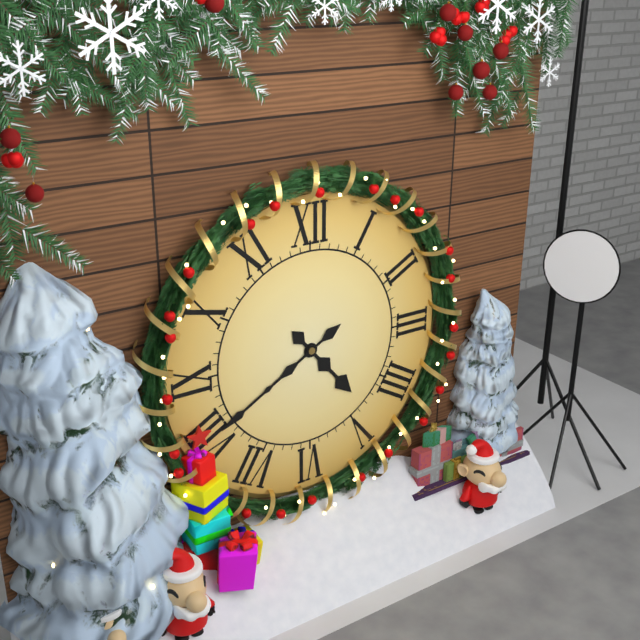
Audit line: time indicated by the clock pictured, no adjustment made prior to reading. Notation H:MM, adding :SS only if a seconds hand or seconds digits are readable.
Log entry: 4:40
